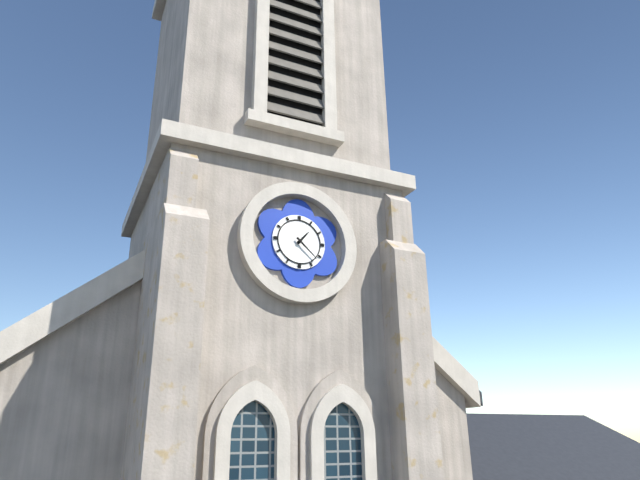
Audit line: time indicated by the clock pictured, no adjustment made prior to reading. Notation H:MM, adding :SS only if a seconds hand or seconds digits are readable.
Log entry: 1:22
